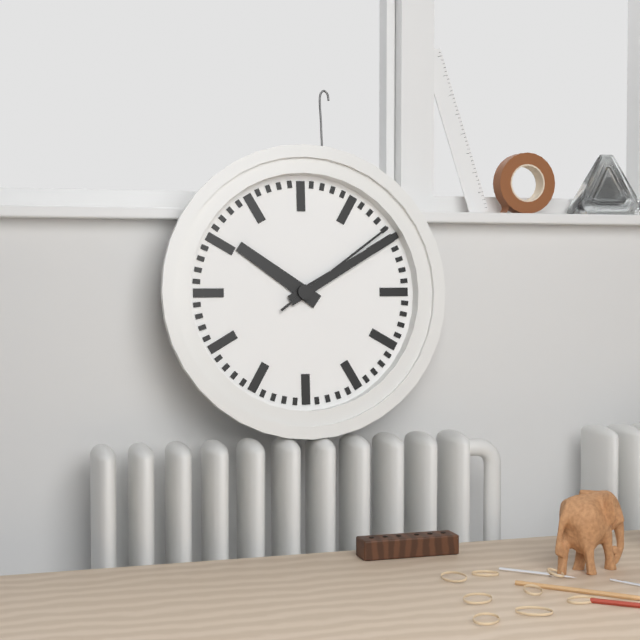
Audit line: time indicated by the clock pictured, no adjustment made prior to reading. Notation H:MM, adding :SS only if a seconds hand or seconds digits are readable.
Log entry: 10:10:09
